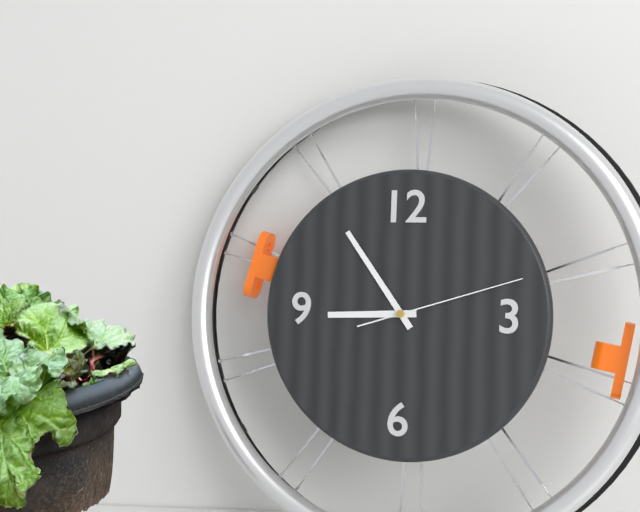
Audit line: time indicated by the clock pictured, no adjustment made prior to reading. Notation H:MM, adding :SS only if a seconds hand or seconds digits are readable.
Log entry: 8:54:12
